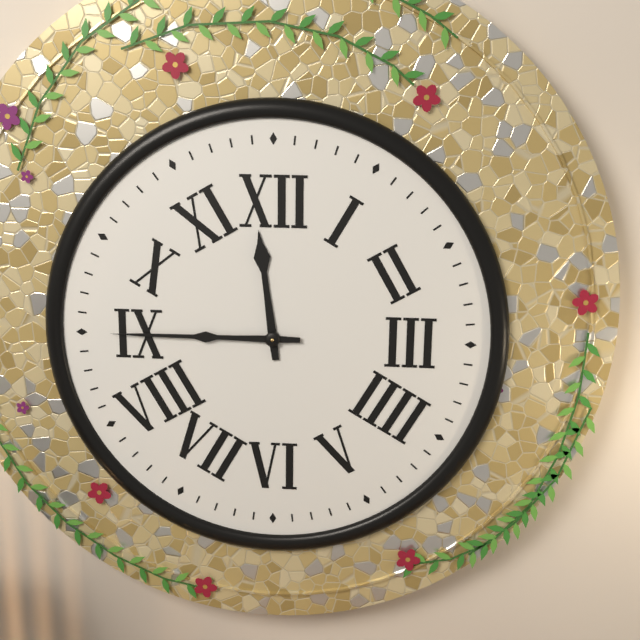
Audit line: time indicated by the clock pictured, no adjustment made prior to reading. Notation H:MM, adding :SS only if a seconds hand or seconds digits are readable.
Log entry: 11:45
